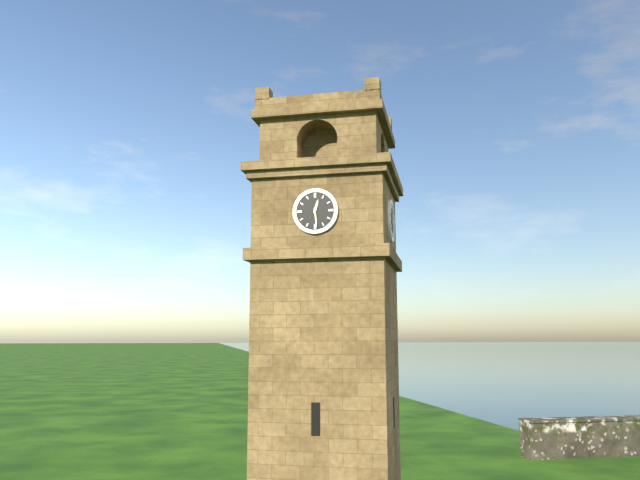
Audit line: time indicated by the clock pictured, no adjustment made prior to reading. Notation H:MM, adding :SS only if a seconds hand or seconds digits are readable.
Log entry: 12:29
